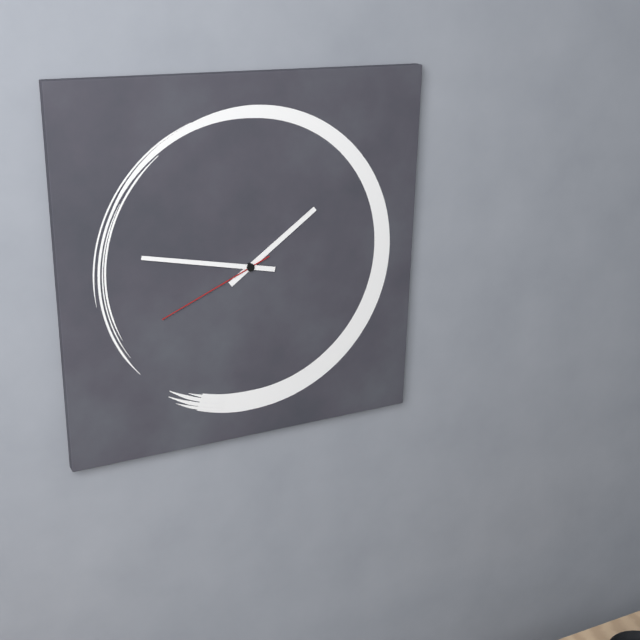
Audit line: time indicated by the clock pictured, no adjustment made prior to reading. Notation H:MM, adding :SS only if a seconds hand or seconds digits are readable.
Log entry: 1:47:41
